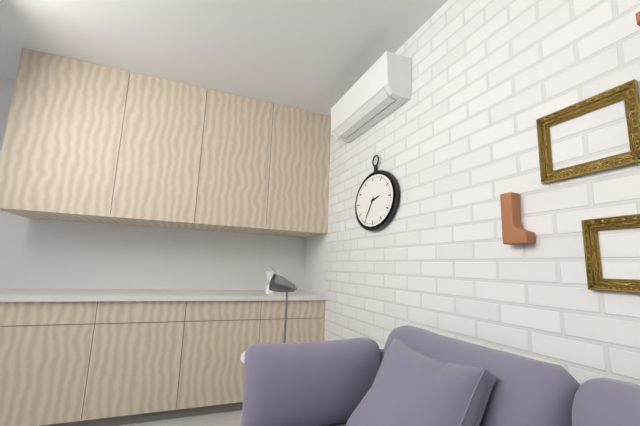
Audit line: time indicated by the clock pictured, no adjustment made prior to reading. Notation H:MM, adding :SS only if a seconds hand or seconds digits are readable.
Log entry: 2:36
